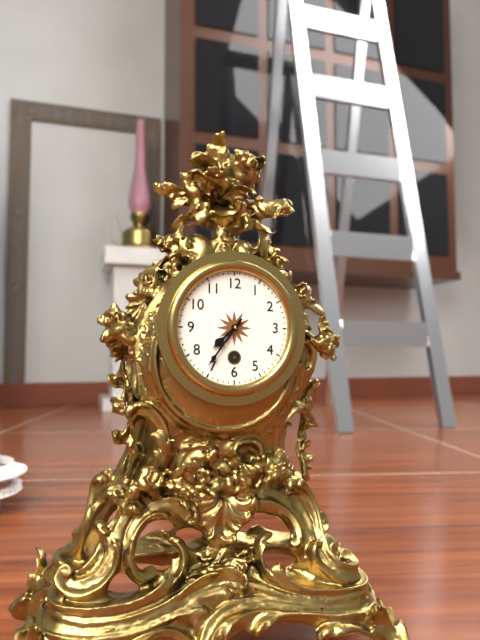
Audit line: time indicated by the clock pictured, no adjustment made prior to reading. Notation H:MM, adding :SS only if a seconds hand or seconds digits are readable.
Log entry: 7:36
